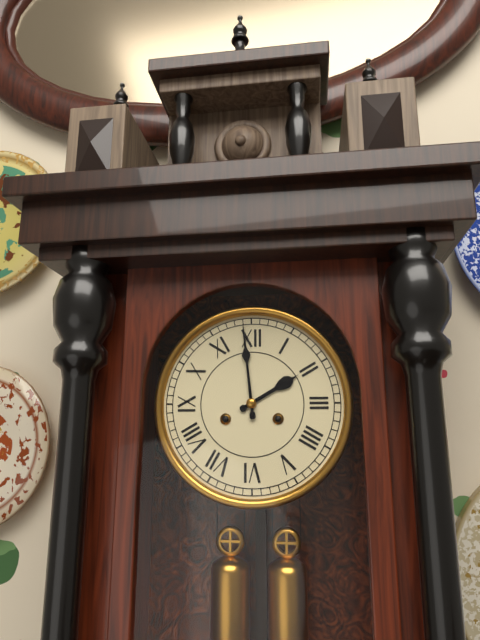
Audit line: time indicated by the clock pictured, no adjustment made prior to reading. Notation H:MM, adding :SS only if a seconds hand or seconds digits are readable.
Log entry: 1:59
